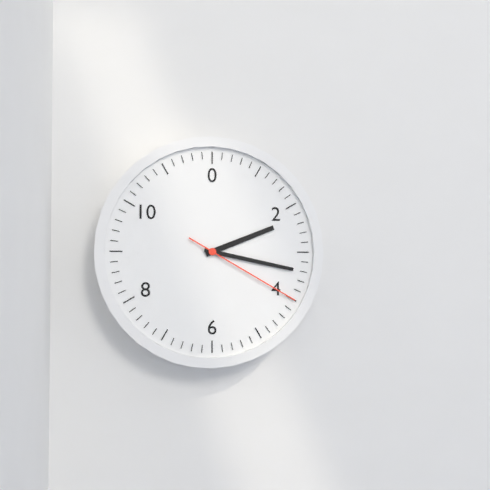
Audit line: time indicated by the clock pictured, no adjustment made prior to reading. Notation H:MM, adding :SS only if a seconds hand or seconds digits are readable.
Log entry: 2:17:20
